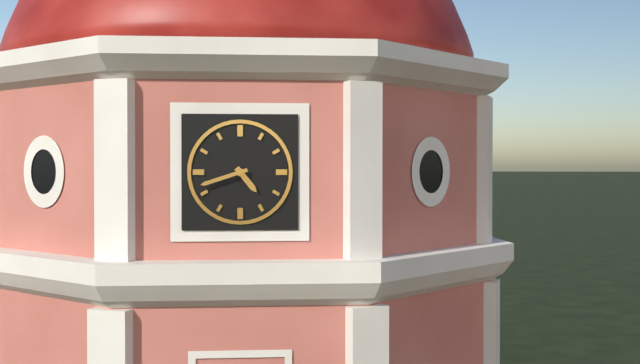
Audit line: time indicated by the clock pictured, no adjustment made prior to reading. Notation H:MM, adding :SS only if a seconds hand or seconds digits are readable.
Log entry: 4:42
